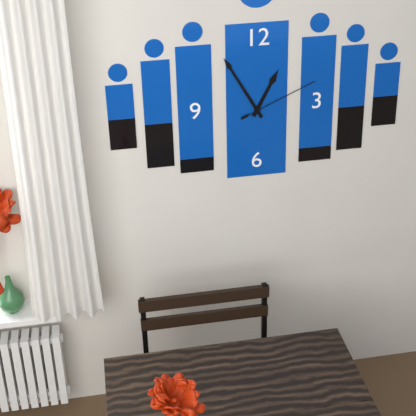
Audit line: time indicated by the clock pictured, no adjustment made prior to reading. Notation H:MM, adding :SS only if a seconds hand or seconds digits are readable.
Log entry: 12:55:11
